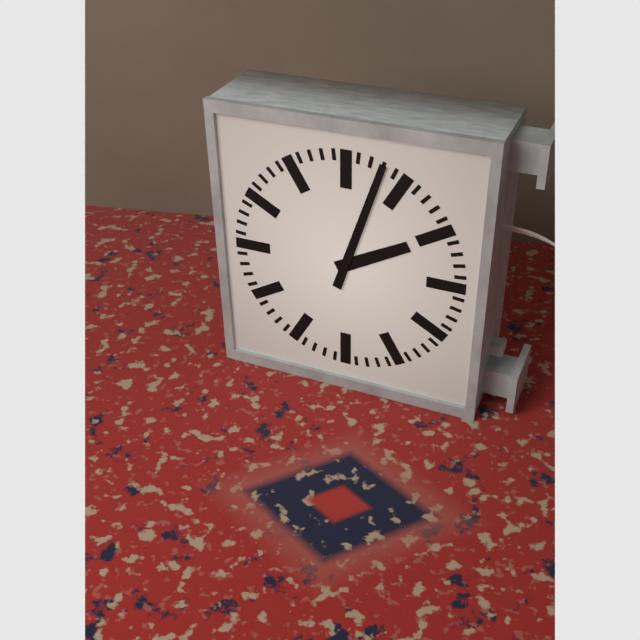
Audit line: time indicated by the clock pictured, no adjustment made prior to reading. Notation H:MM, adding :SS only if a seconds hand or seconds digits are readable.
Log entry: 2:03
